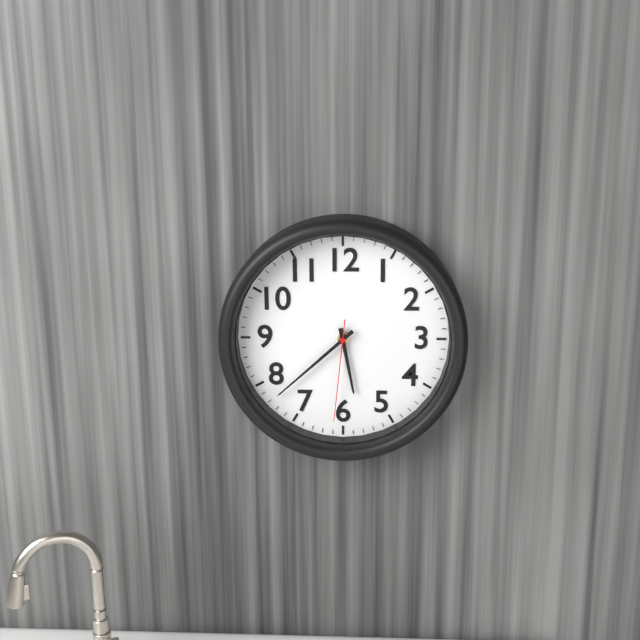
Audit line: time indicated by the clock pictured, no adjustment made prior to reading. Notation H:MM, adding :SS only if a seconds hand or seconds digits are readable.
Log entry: 5:38:31
